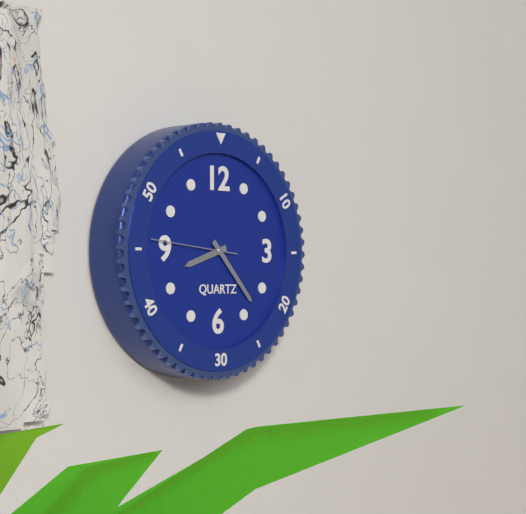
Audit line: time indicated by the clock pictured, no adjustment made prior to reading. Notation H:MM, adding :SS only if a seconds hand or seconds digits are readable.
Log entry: 8:23:46
